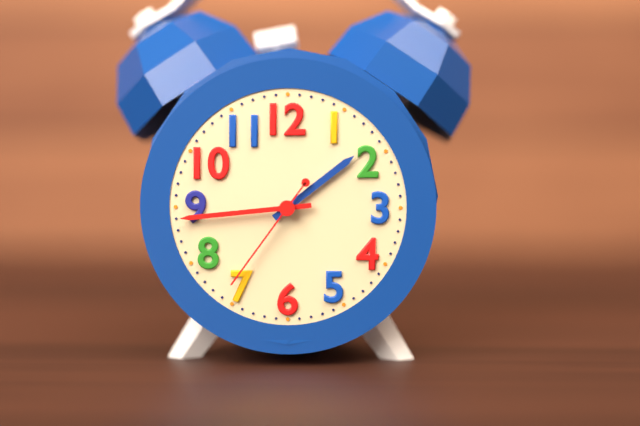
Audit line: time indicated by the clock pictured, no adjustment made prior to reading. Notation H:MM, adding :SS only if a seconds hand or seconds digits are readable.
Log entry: 1:44:36
